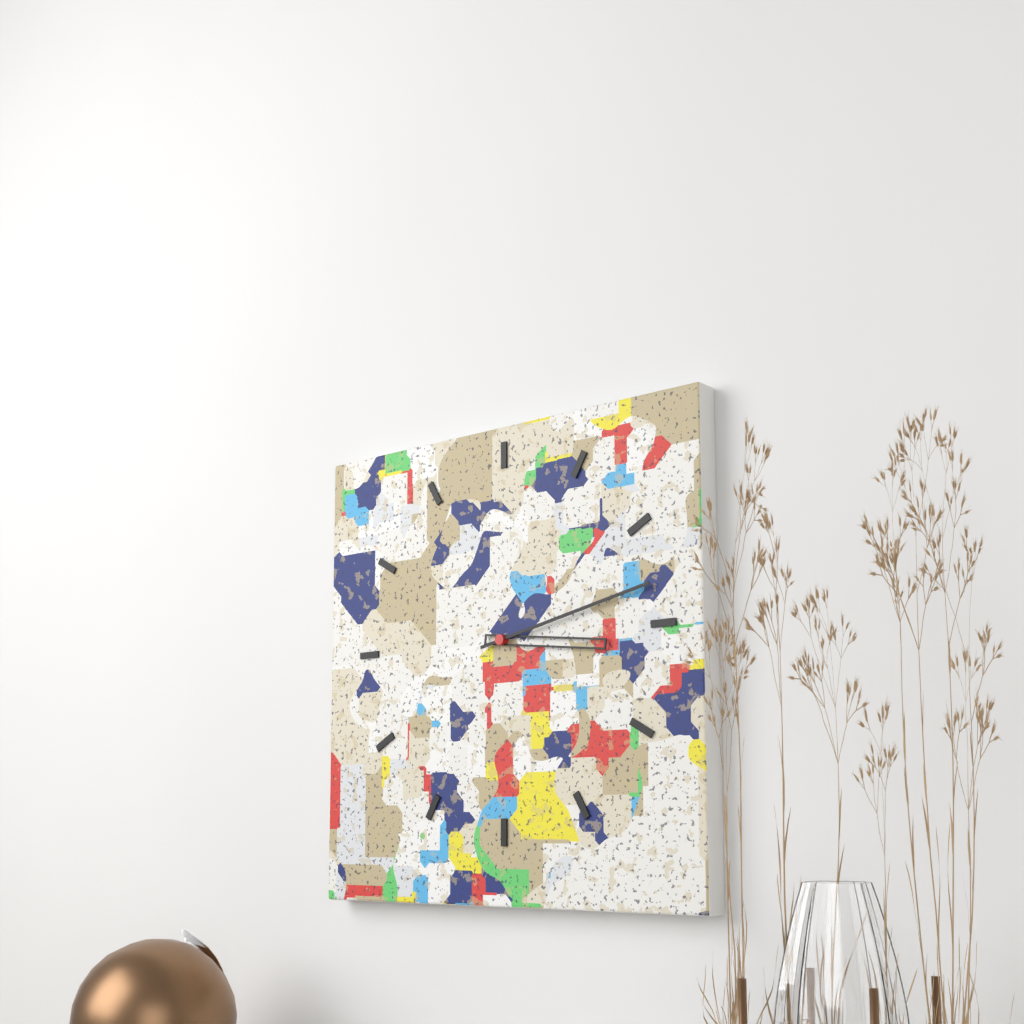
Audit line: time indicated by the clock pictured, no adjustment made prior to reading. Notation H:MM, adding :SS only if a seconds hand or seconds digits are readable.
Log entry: 3:13
